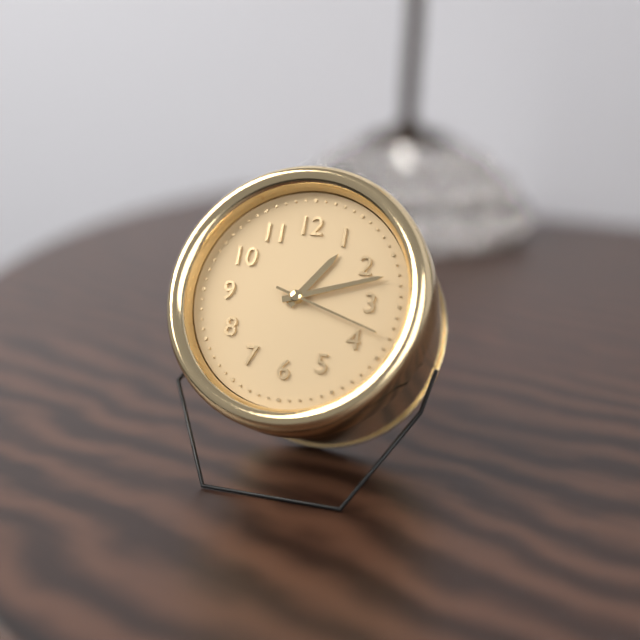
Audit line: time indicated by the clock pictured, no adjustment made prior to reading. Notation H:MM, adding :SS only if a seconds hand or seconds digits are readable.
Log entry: 1:12:18
